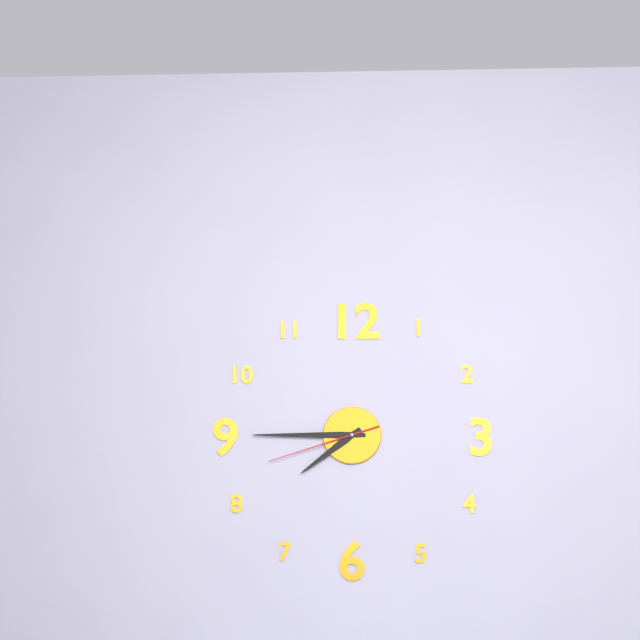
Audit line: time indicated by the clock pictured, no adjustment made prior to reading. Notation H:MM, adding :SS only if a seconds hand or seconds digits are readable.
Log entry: 7:45:42
